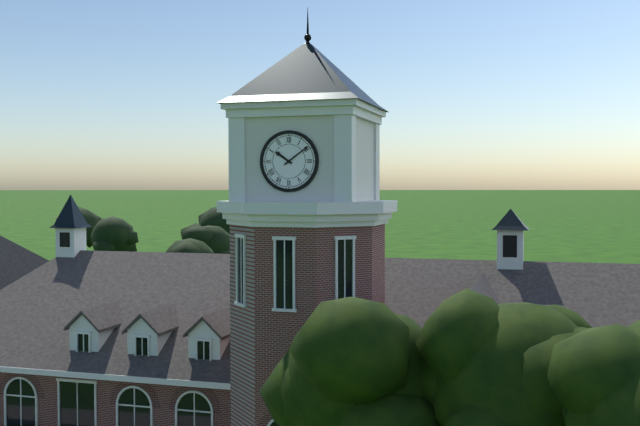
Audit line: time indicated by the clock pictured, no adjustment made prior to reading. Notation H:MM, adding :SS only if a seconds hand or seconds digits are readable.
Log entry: 10:09
